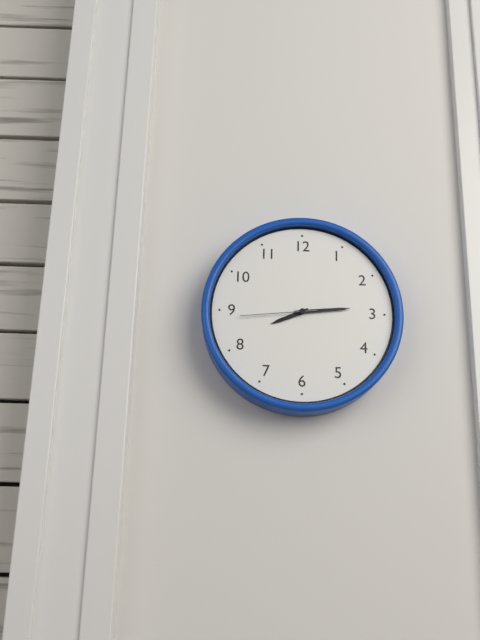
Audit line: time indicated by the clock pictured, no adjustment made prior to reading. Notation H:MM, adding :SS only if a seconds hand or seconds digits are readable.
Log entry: 8:14:44
